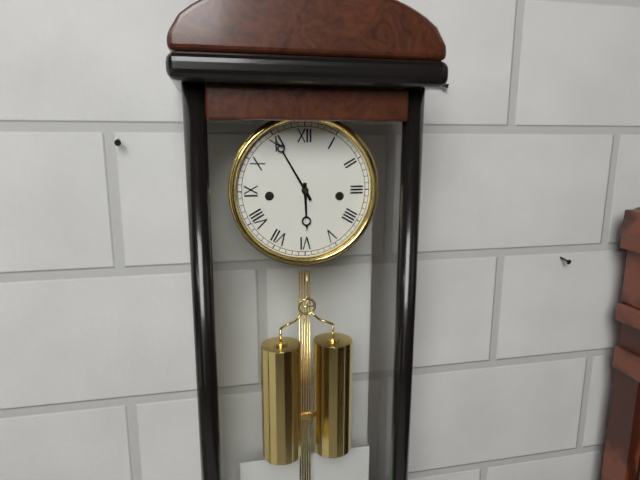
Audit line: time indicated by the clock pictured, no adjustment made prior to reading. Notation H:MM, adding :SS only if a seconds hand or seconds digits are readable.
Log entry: 5:55
